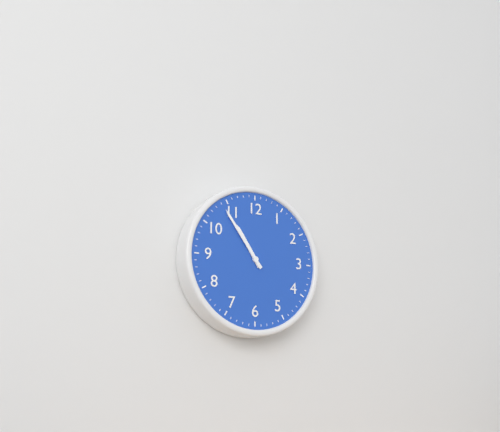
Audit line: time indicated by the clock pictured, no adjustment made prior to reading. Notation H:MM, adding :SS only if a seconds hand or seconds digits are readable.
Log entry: 10:54
